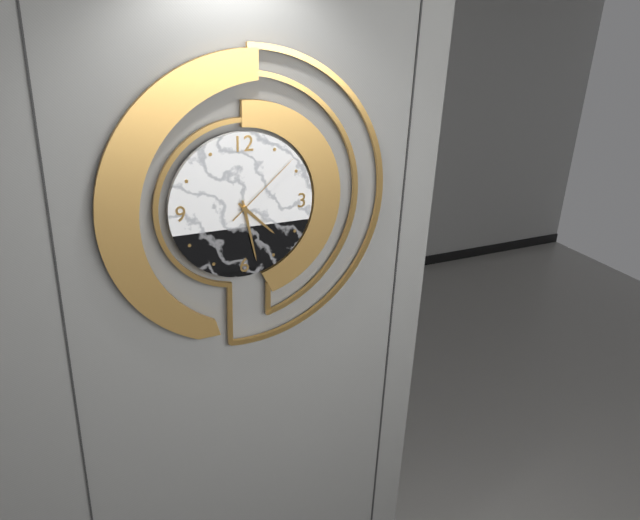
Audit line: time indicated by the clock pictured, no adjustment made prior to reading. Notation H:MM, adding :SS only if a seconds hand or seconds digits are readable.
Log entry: 4:28:08
